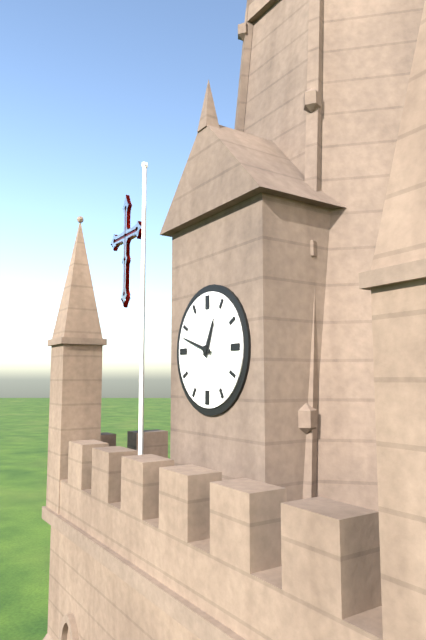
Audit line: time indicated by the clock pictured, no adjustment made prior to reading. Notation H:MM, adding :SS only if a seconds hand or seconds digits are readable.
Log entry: 12:48
